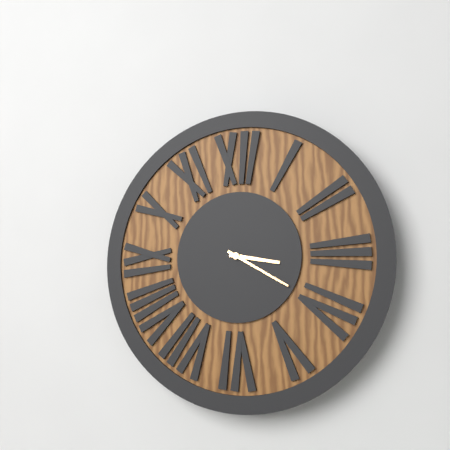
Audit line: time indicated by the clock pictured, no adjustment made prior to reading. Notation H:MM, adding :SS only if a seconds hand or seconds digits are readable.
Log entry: 3:20
